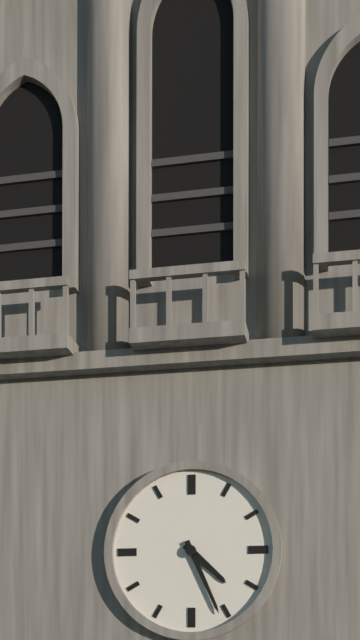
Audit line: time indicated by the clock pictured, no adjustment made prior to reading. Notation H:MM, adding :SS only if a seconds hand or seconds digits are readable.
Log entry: 4:26
